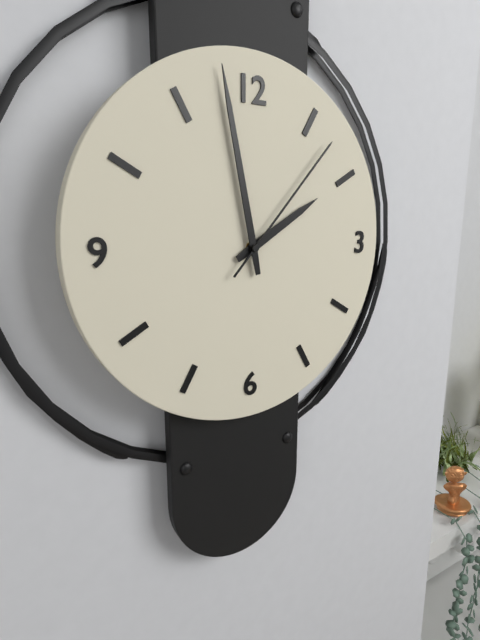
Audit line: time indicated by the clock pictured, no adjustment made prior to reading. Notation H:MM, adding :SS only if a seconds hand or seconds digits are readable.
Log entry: 1:58:07
